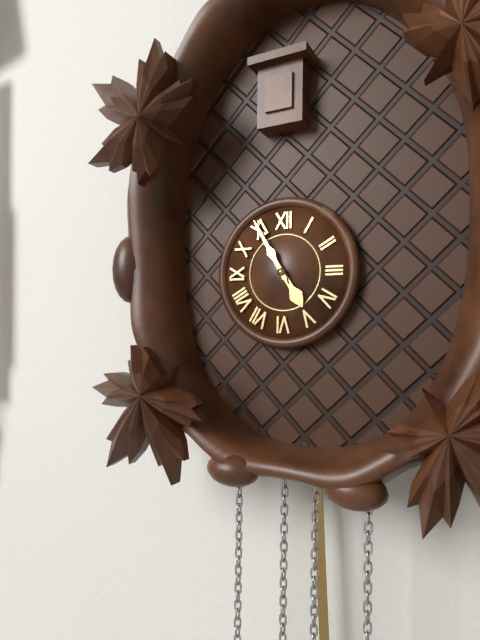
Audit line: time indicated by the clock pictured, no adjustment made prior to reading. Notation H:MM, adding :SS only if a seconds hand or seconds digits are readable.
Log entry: 4:55
